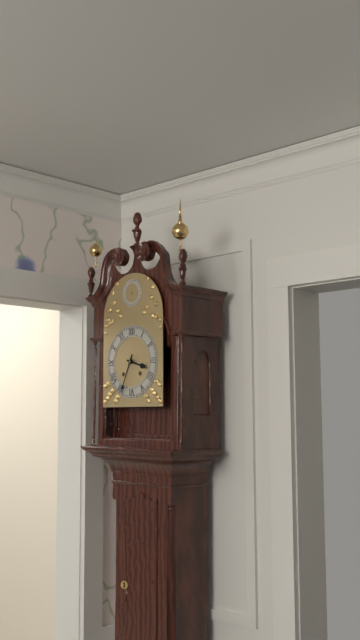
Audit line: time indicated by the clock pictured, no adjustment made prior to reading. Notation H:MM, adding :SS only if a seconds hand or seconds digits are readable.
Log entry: 3:34
